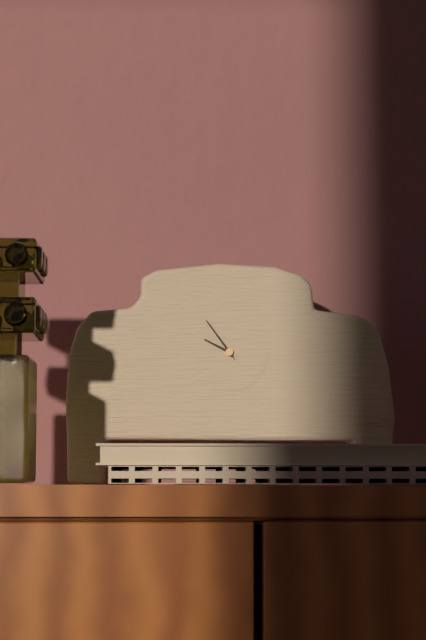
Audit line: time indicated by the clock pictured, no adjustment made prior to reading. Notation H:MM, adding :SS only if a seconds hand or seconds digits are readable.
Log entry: 9:54
